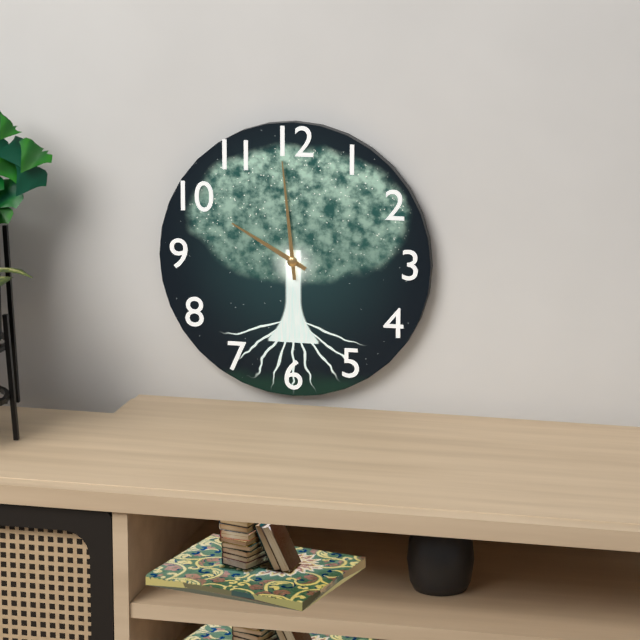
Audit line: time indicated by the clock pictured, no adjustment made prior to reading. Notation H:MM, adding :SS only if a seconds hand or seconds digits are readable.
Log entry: 9:59
